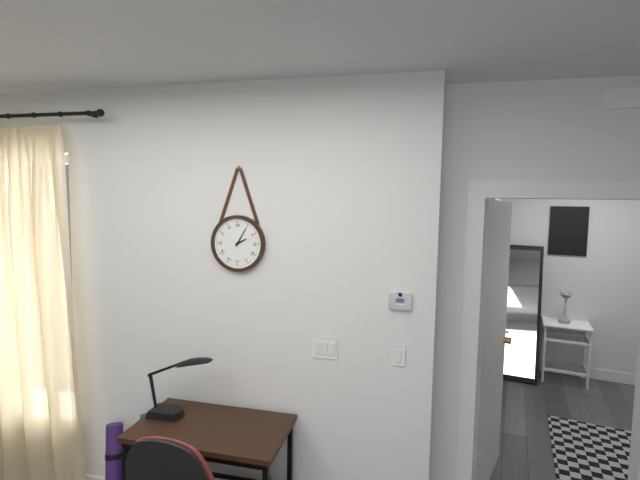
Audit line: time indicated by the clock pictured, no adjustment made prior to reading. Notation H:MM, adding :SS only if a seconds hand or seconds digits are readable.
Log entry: 2:05
